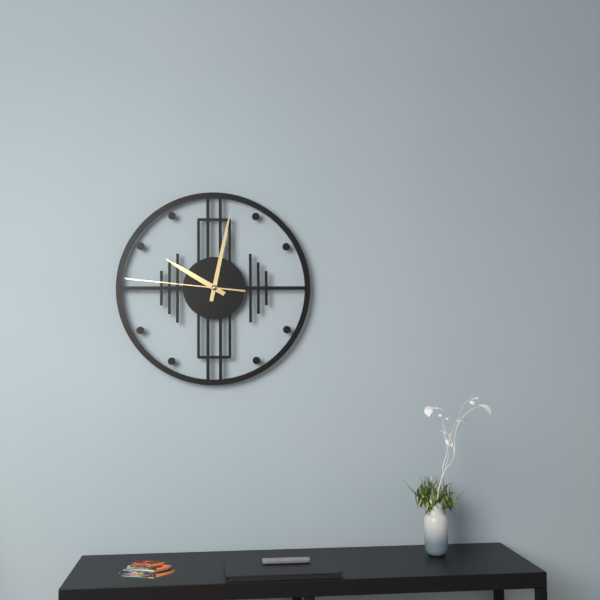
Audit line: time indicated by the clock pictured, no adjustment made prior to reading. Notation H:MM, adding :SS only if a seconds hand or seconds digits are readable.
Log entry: 10:02:46
